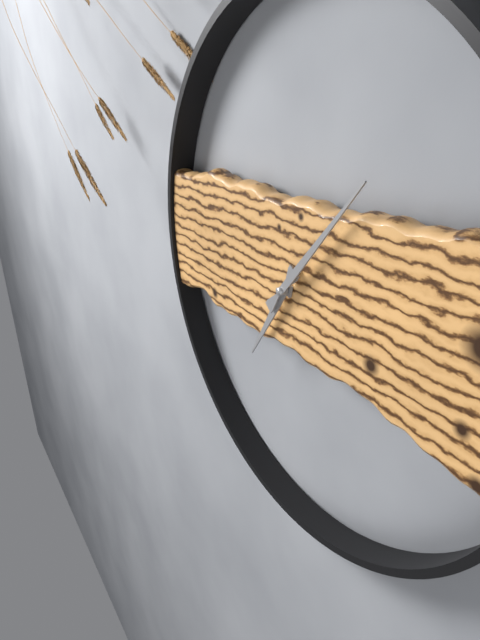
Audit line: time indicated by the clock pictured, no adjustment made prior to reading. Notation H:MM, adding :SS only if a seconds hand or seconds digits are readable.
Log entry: 7:07
